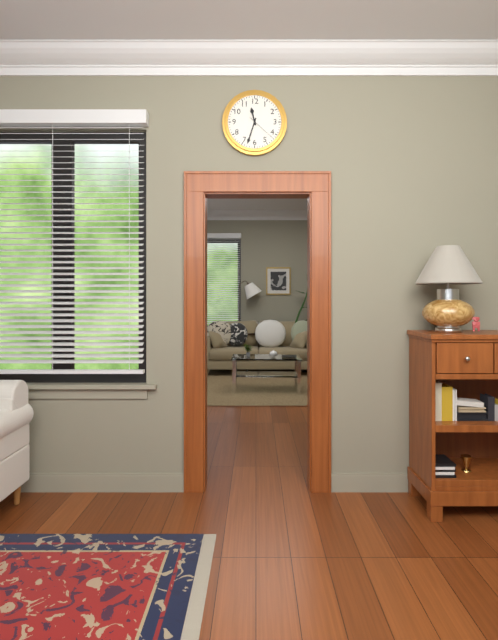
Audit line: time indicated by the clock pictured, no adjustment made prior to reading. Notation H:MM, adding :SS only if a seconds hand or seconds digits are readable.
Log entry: 11:33
